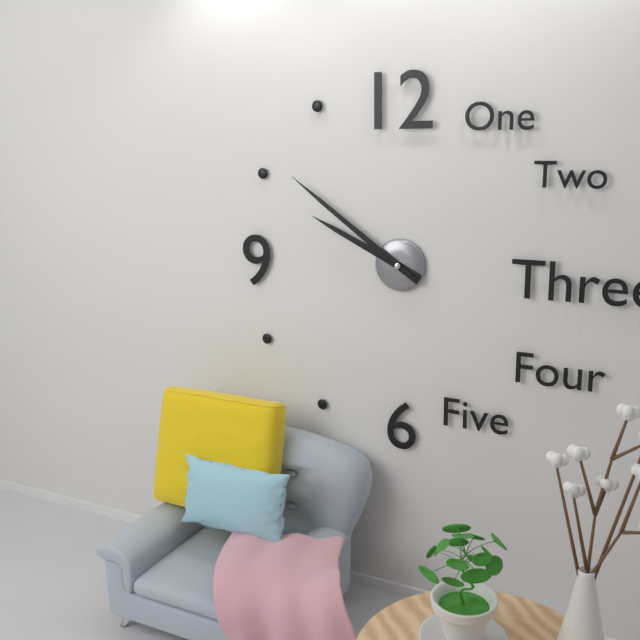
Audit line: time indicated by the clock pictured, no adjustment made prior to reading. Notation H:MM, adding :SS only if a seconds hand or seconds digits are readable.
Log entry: 9:51
